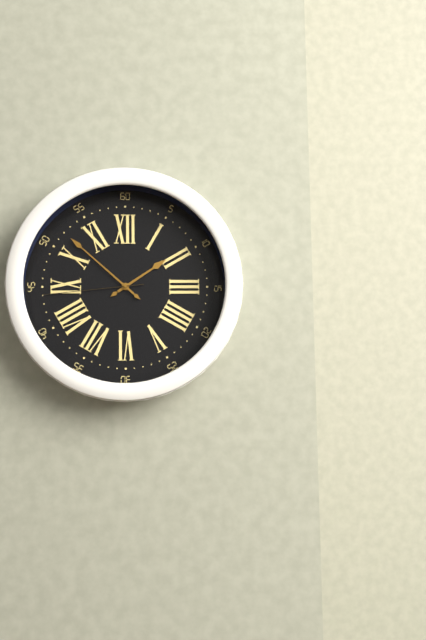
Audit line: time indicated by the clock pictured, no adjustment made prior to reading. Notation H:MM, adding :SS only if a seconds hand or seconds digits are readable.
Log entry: 1:52:44
